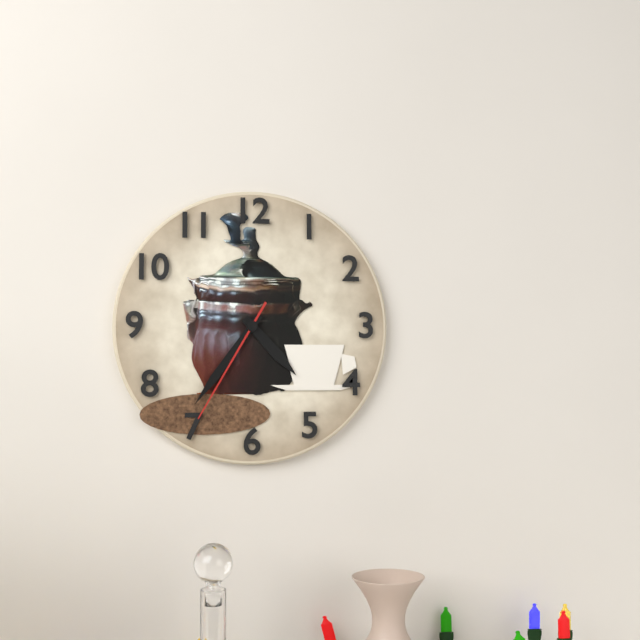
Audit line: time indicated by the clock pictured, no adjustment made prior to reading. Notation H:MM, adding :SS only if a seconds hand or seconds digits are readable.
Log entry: 4:36:35
